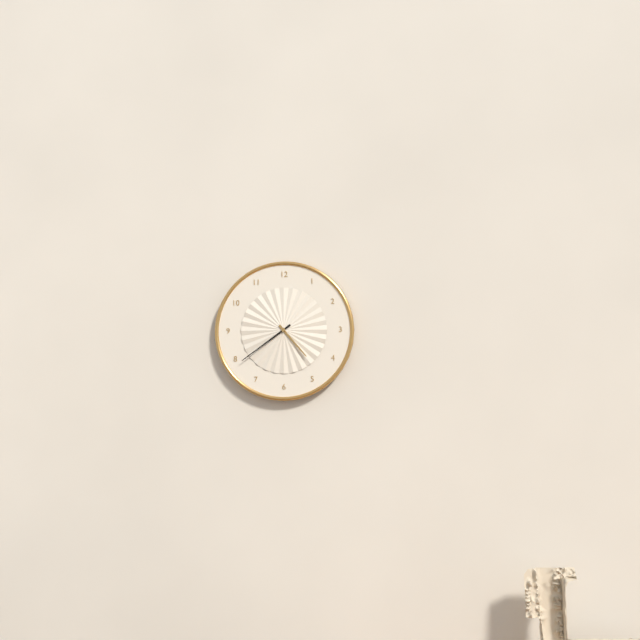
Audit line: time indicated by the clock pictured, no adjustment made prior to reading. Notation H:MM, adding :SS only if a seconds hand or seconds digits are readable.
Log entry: 4:39
